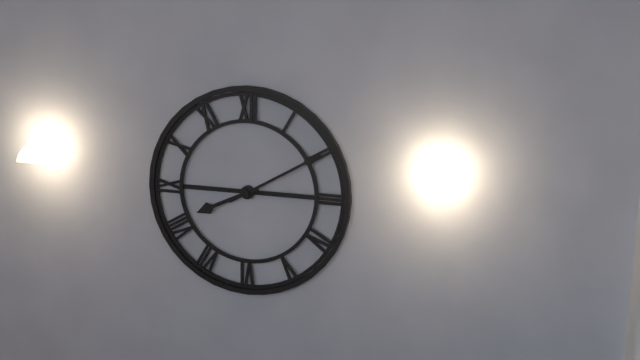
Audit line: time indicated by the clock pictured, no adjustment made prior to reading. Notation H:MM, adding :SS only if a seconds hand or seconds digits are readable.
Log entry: 8:10
